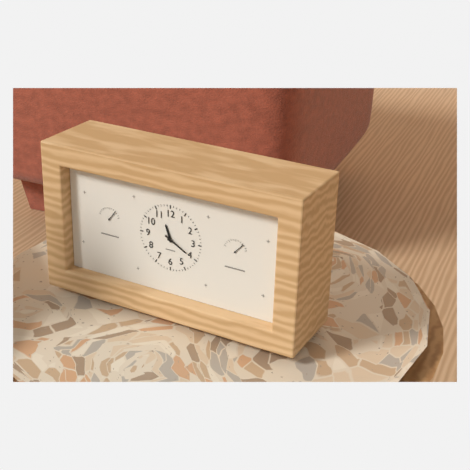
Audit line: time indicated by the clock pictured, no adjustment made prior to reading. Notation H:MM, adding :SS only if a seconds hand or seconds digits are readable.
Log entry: 11:20
